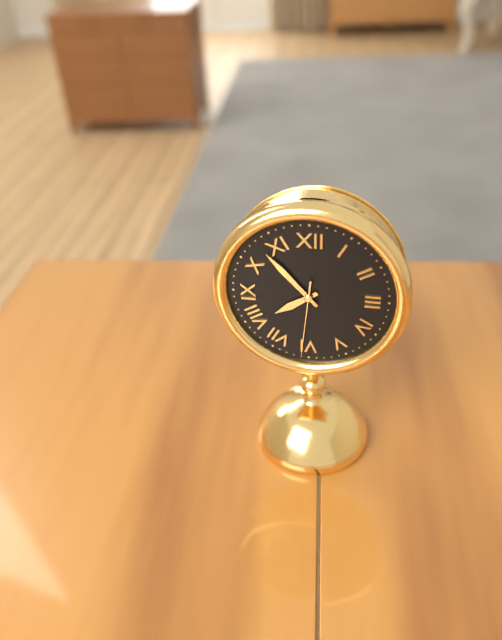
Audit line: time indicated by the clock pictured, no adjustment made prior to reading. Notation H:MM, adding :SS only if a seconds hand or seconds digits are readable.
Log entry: 7:53:31
